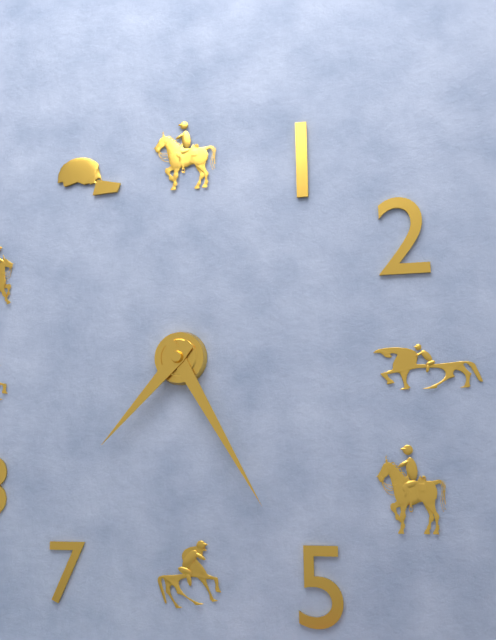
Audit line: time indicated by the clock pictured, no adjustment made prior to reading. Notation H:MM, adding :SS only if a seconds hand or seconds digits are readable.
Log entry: 7:25
